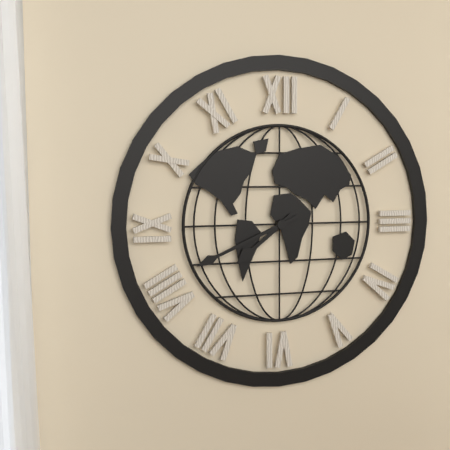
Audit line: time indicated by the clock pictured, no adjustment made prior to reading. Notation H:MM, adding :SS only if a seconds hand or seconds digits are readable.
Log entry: 7:41
